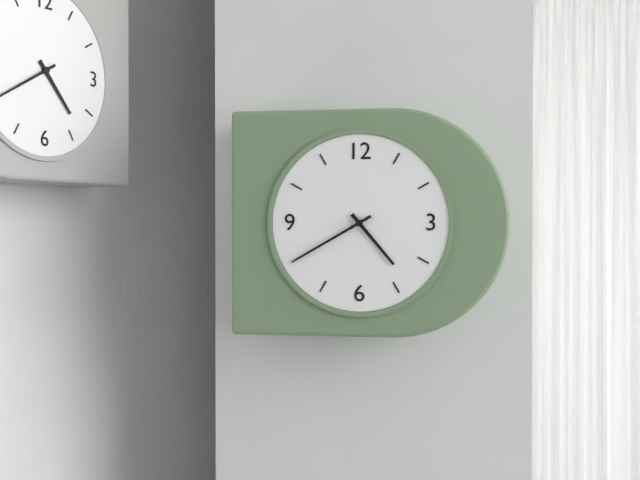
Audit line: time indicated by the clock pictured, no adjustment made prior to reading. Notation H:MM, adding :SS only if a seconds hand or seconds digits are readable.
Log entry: 4:40
